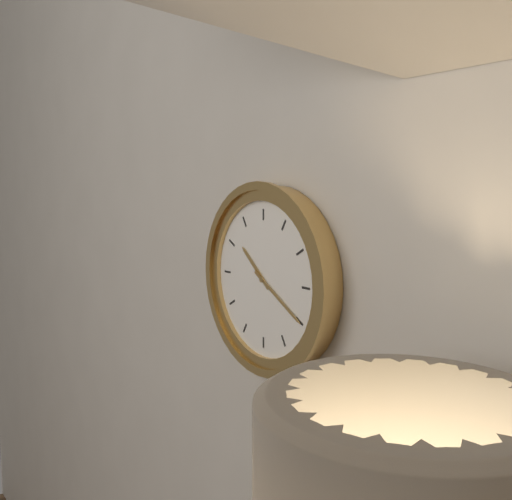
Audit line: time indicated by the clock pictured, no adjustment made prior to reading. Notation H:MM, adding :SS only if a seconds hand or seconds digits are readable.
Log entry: 10:20
